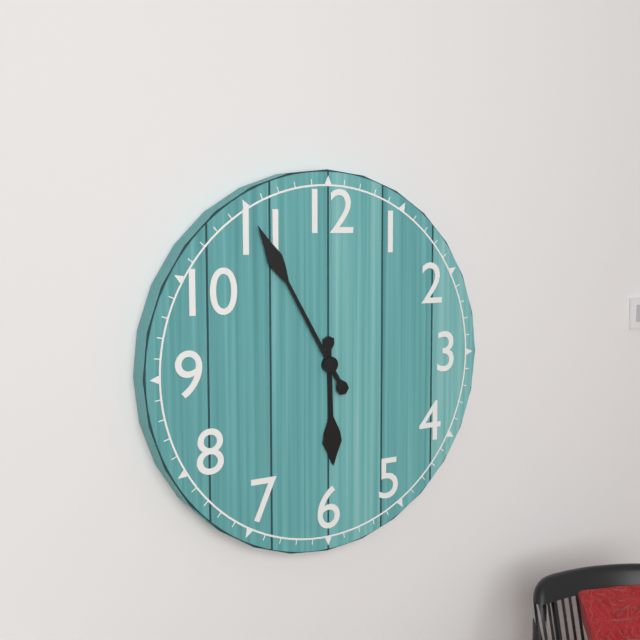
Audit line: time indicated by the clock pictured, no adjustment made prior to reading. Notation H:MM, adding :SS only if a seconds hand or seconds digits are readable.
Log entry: 5:55
